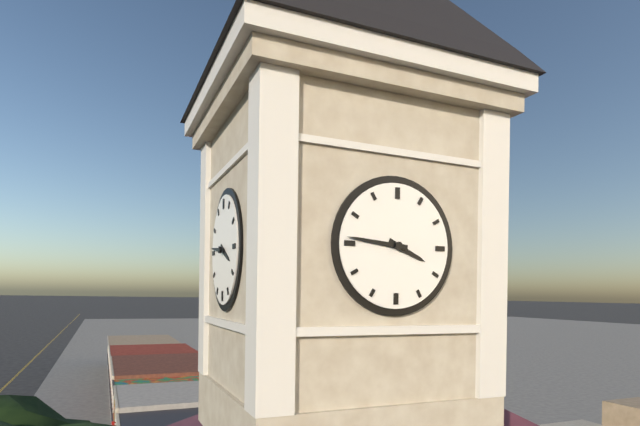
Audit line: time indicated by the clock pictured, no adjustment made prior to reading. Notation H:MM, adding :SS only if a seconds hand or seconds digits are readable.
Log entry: 3:46
